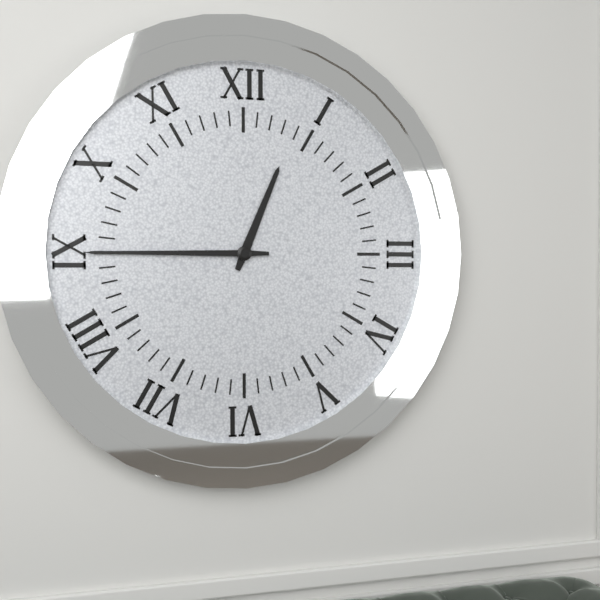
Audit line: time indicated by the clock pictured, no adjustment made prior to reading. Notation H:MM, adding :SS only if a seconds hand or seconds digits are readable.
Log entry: 12:45
